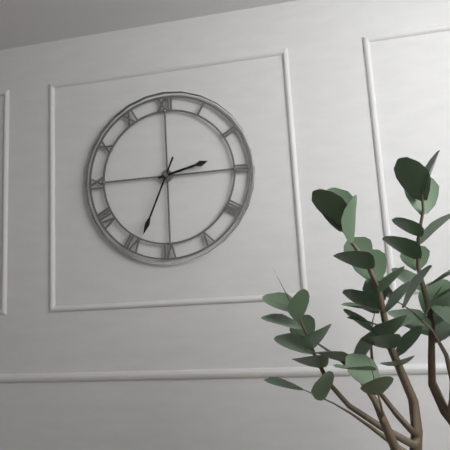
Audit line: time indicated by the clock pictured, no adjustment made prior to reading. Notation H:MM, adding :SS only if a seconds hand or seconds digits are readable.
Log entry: 2:34
